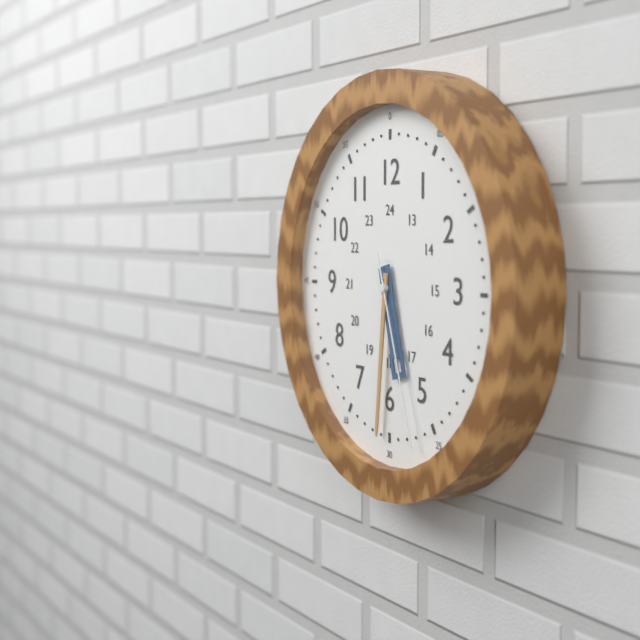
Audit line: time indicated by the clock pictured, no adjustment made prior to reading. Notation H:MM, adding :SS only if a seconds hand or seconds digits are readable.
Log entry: 5:31:27
